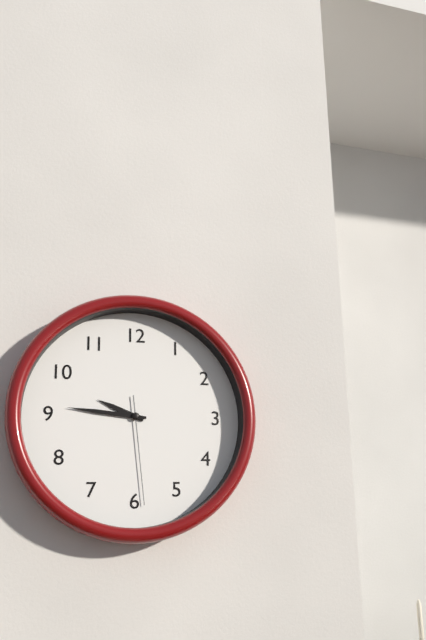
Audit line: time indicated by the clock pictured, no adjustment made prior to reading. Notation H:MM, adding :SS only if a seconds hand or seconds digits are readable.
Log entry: 9:46:29
